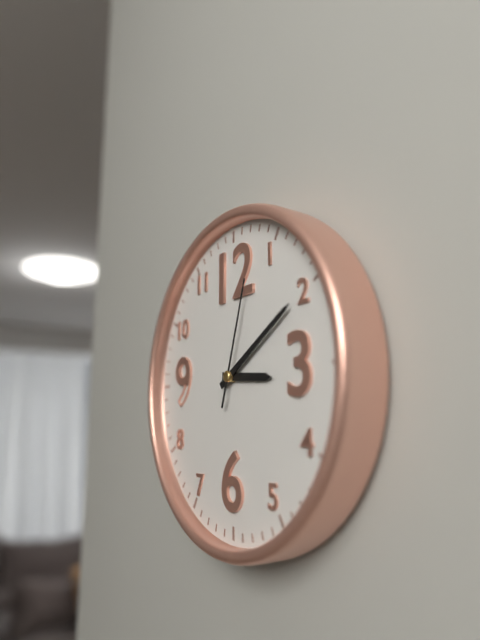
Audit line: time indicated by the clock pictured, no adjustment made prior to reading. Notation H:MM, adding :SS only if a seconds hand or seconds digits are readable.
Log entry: 3:10:03
